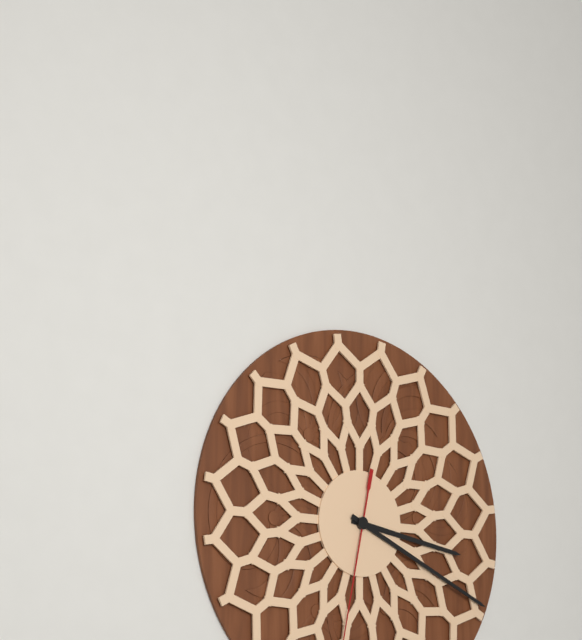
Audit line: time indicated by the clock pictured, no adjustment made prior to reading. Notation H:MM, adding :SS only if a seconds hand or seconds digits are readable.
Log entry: 3:19
